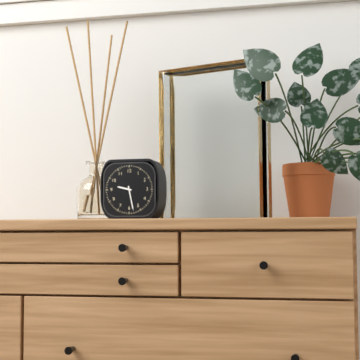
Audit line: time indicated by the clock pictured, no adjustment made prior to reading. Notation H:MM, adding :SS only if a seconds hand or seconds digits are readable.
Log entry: 9:28
